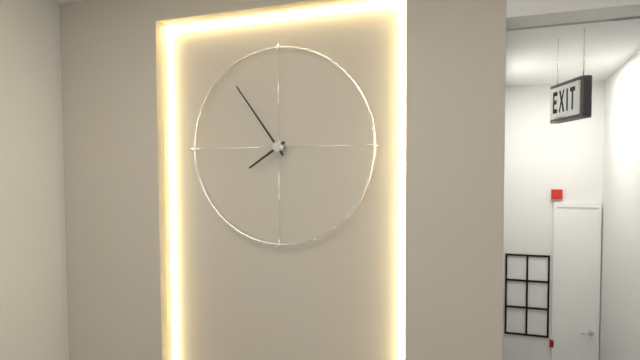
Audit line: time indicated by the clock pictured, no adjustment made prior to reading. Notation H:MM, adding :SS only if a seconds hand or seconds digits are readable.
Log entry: 7:54
